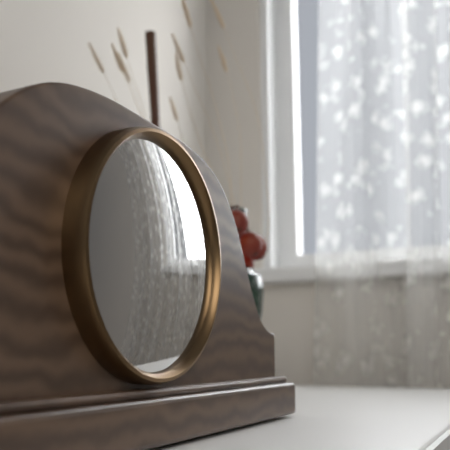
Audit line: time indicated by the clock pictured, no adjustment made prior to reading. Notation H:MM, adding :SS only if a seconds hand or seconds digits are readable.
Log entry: 12:59
